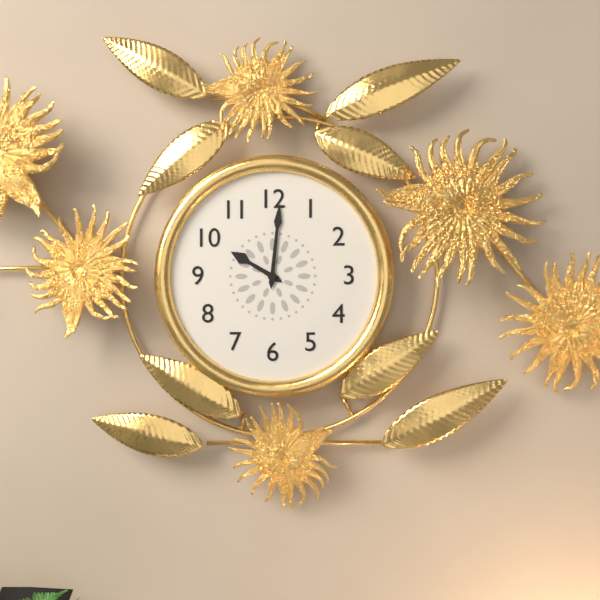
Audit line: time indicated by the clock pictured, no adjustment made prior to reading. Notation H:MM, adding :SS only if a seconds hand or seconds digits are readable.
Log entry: 10:01
